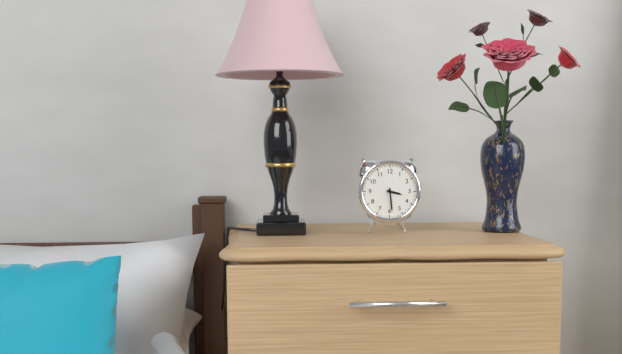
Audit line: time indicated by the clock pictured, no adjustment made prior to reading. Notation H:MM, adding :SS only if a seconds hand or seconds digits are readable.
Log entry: 3:29
